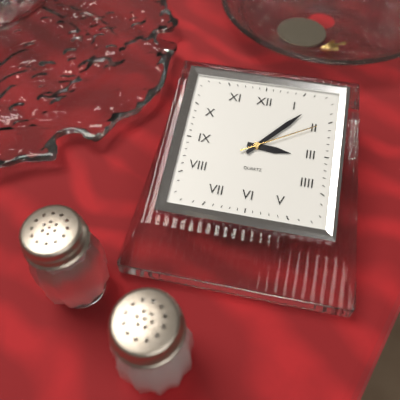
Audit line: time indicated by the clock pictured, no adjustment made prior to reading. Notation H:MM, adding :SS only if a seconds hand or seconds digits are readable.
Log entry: 3:07:10
